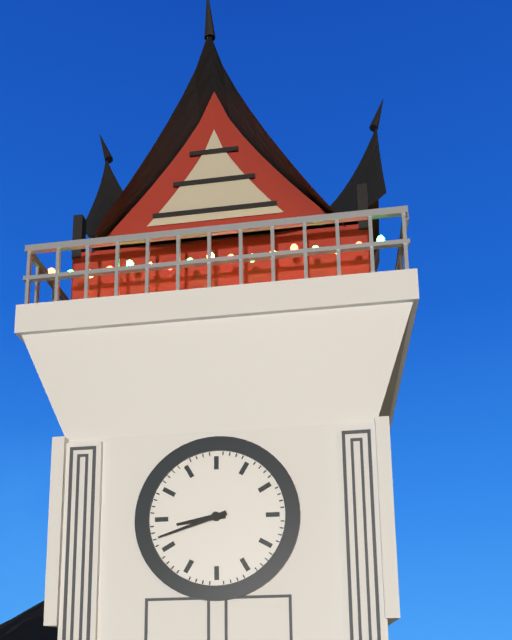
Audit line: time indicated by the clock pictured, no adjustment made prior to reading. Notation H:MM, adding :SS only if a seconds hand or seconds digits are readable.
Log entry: 8:42
